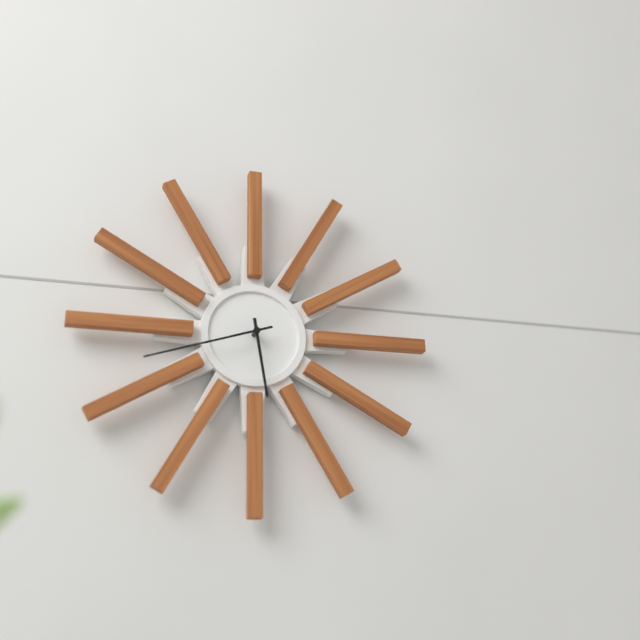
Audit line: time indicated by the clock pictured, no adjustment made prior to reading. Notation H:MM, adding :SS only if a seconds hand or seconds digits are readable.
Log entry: 5:42
